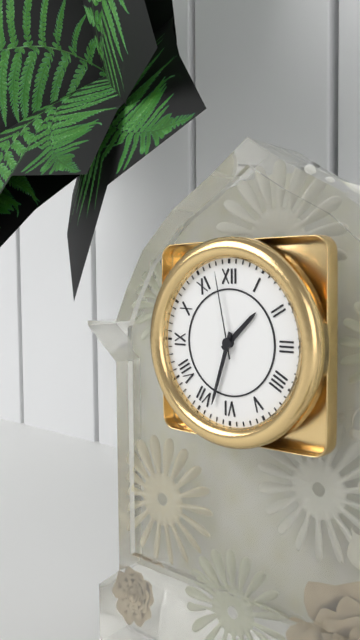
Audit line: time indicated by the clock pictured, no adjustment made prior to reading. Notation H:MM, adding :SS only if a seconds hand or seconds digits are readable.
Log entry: 1:33:58
